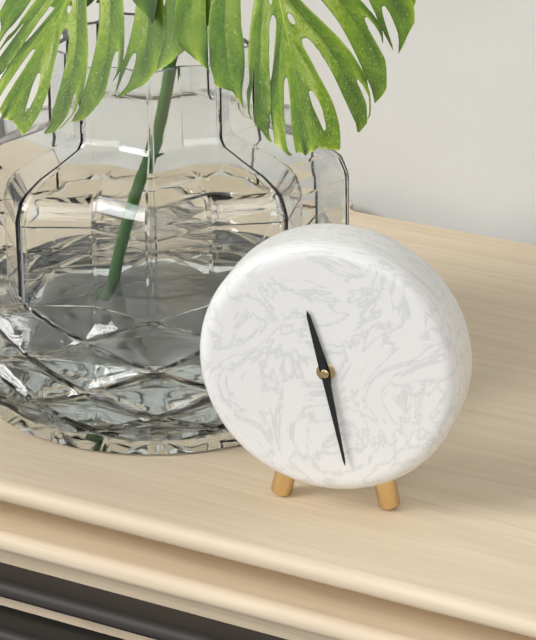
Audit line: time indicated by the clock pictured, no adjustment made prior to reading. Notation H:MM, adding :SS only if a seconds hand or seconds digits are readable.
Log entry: 11:28
